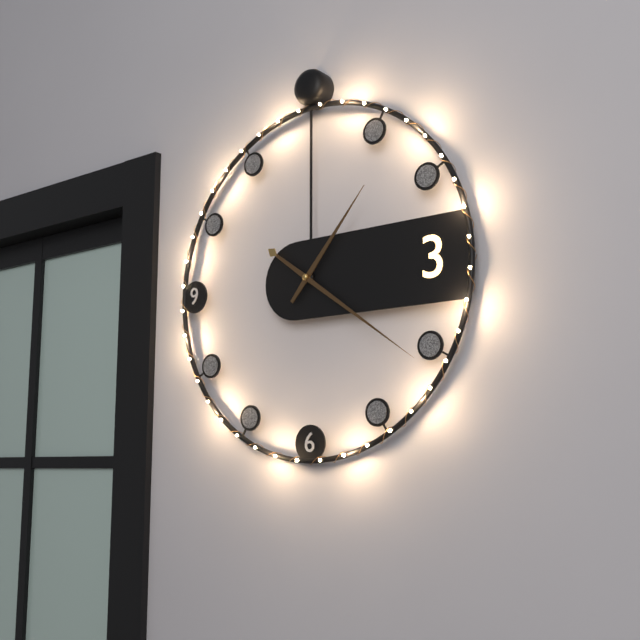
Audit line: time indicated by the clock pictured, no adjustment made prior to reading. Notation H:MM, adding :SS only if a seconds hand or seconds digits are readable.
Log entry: 1:21
